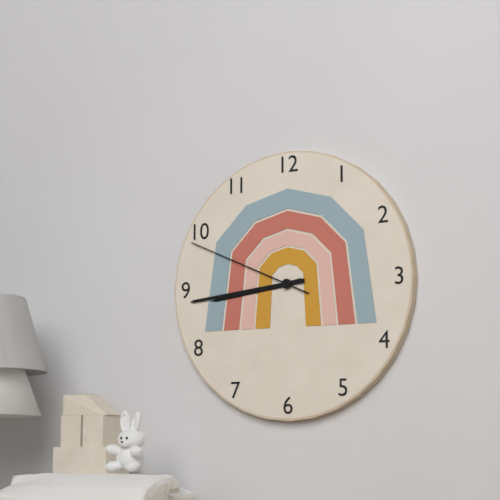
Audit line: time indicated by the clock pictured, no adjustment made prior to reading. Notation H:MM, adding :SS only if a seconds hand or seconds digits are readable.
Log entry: 8:44:49
